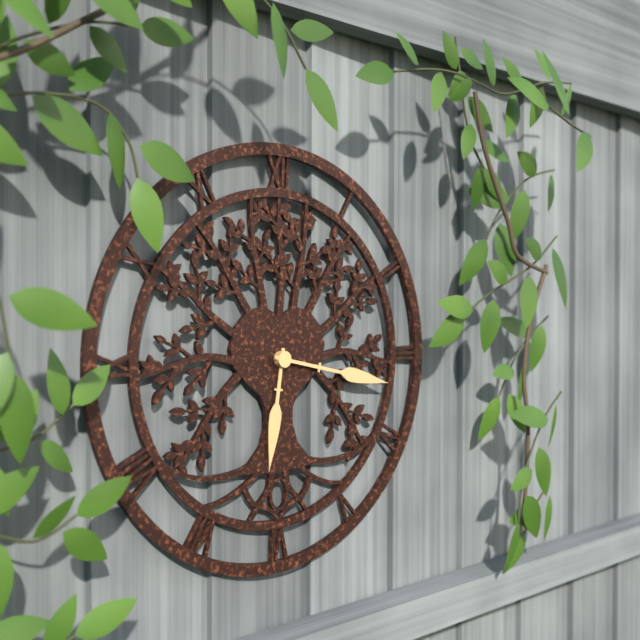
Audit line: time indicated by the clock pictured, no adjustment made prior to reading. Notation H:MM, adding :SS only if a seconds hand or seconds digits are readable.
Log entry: 6:17
